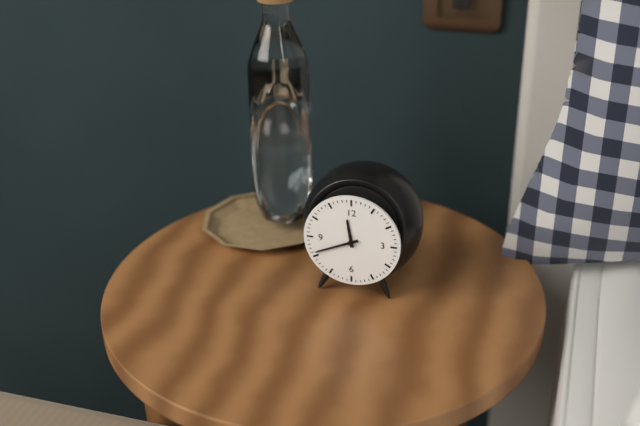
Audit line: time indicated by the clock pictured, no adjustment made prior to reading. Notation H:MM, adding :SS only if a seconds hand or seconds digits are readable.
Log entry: 11:41
